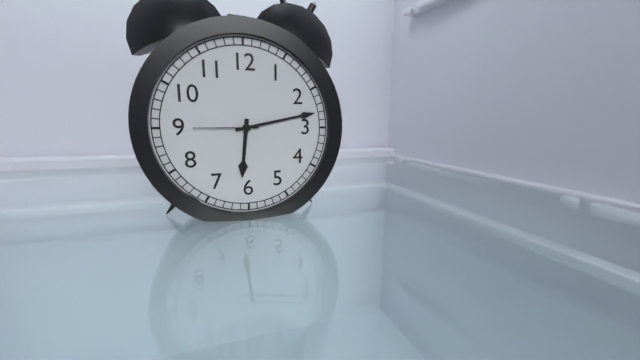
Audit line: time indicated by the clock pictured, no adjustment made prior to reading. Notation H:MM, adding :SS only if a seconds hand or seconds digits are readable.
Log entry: 6:13:45
